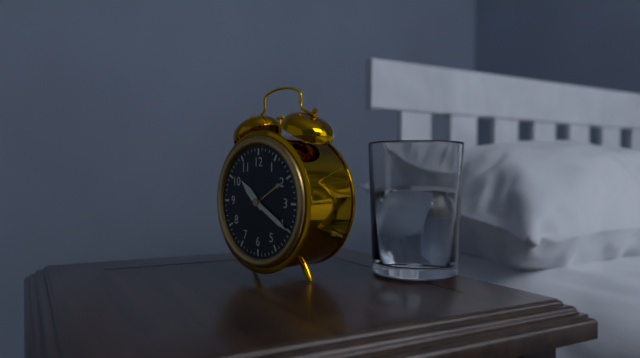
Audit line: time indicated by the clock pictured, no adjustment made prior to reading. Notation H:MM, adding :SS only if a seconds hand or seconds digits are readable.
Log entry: 10:20
